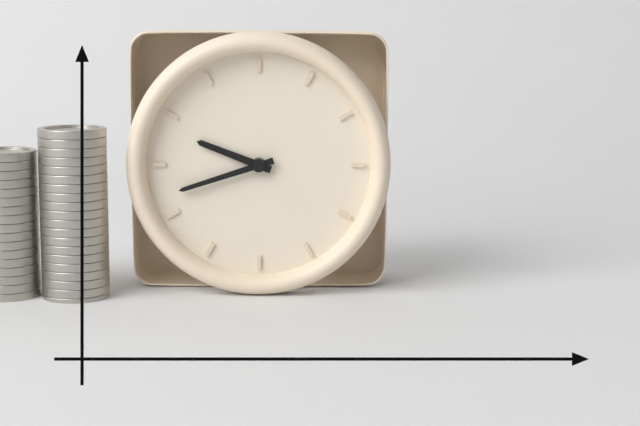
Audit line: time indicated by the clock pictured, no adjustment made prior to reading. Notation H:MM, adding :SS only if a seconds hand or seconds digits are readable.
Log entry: 9:42
